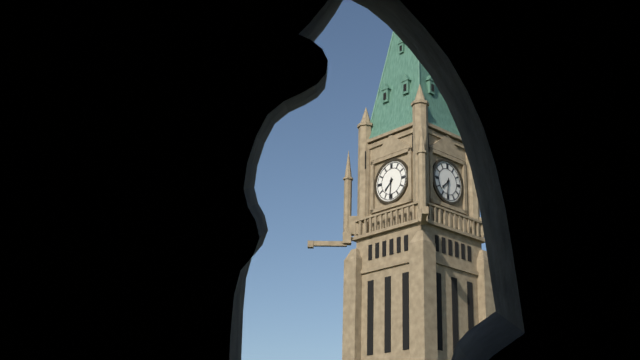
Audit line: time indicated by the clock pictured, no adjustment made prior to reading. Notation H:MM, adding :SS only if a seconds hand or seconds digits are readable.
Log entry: 7:31
